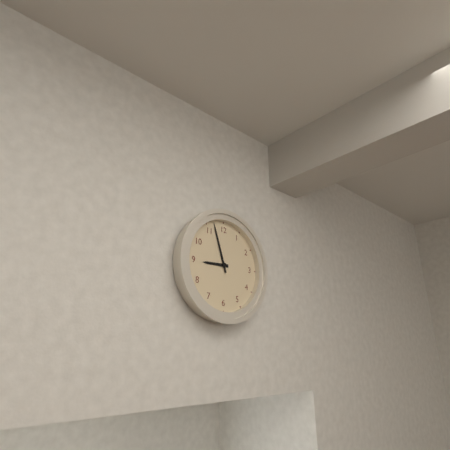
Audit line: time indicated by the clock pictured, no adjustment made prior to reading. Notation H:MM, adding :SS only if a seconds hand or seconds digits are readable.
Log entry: 8:57
